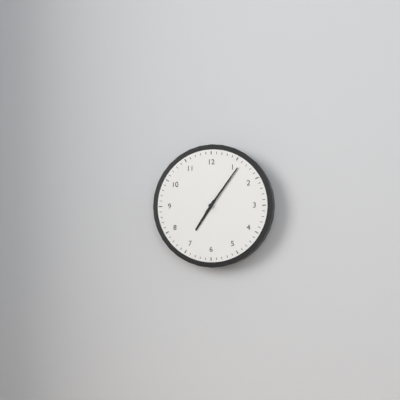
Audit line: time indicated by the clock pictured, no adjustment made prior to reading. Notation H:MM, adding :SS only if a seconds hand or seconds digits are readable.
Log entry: 7:06
